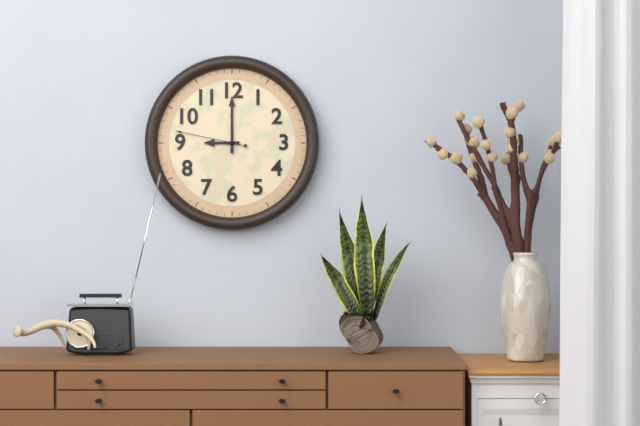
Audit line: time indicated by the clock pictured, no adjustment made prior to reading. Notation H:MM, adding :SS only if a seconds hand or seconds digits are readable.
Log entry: 9:00:47
